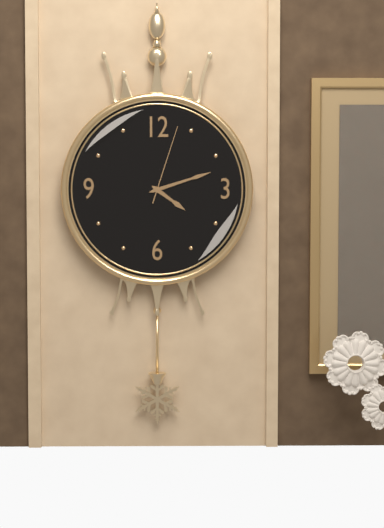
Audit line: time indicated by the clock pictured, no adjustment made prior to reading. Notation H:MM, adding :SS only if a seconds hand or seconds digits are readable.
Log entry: 4:12:03
